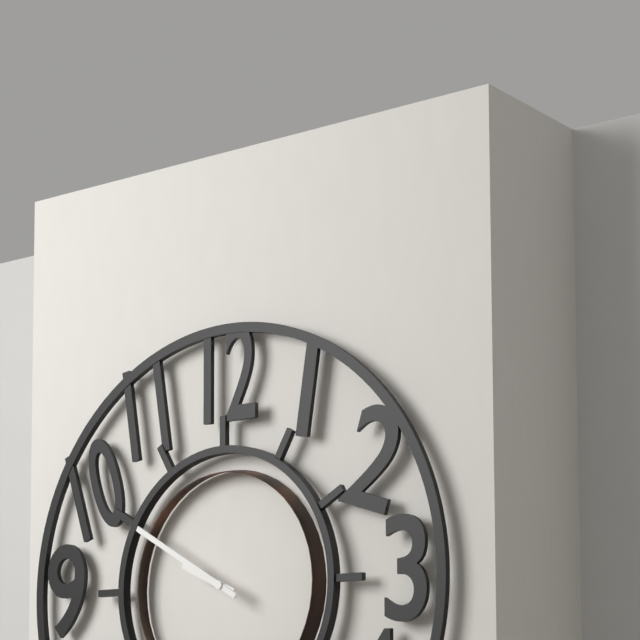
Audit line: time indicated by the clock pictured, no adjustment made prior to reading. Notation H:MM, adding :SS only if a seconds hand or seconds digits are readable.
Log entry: 9:50
